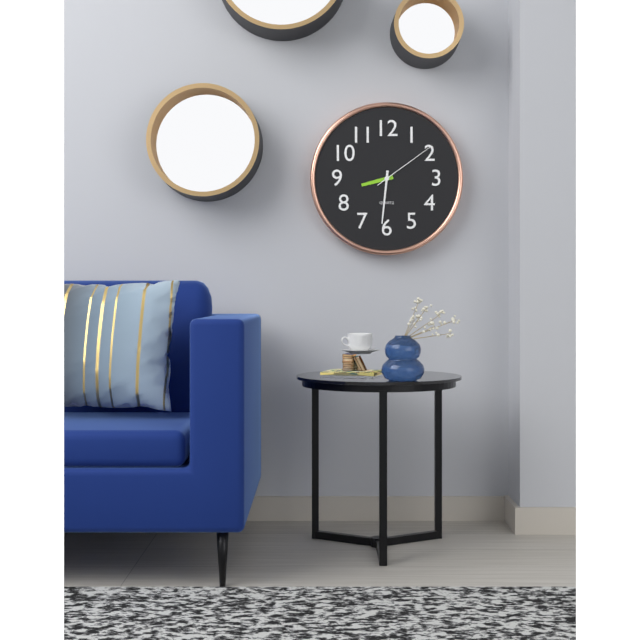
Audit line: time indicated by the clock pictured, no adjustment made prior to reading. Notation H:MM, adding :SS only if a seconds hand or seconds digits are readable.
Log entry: 8:31:09
